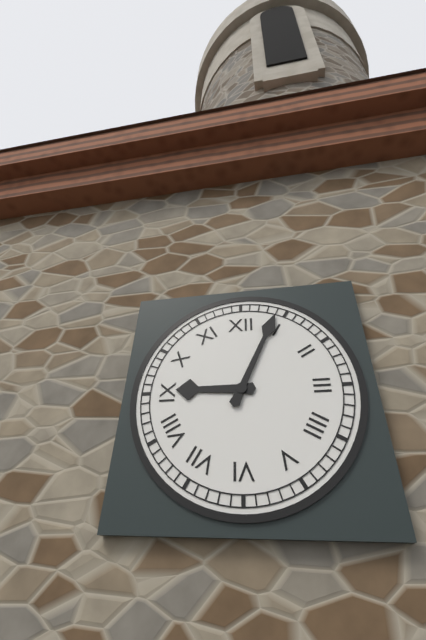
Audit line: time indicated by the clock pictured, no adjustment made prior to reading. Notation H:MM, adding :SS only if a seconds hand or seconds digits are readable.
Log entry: 9:04
